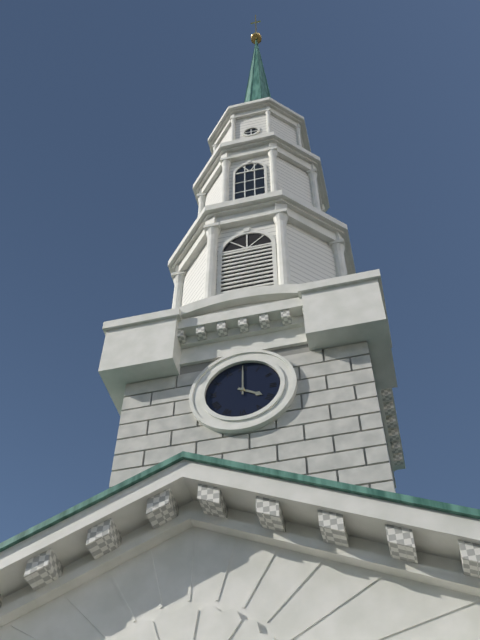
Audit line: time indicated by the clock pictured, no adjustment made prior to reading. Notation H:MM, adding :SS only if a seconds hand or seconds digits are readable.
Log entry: 4:00
